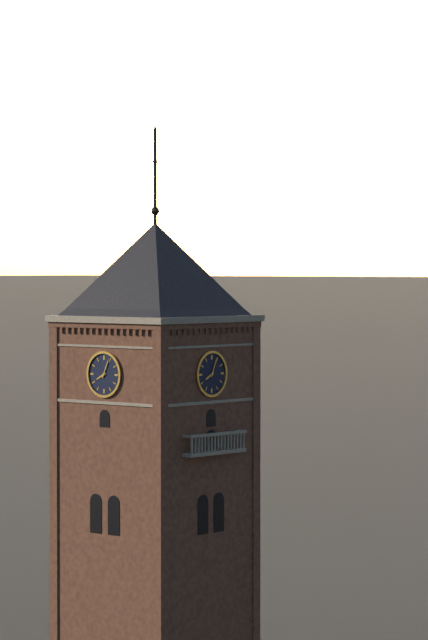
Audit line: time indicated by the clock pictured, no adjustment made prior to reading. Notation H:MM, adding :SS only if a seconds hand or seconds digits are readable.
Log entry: 8:04
